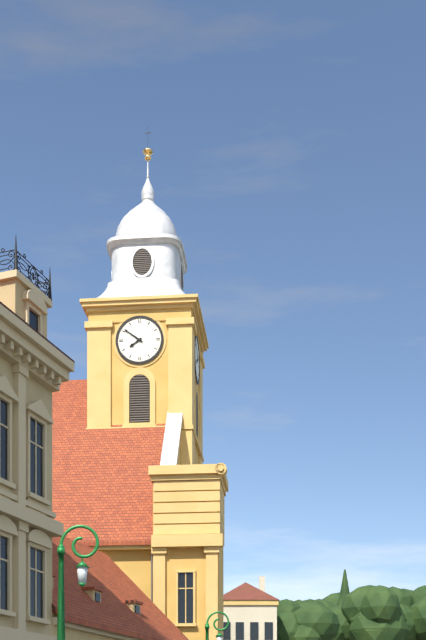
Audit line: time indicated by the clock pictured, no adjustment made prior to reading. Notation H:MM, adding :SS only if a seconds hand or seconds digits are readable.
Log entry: 7:51
